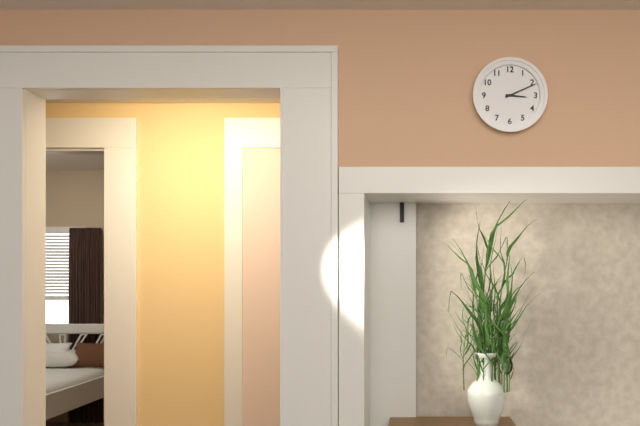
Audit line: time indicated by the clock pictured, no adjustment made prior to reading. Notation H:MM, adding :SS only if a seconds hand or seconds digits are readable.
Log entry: 3:11
